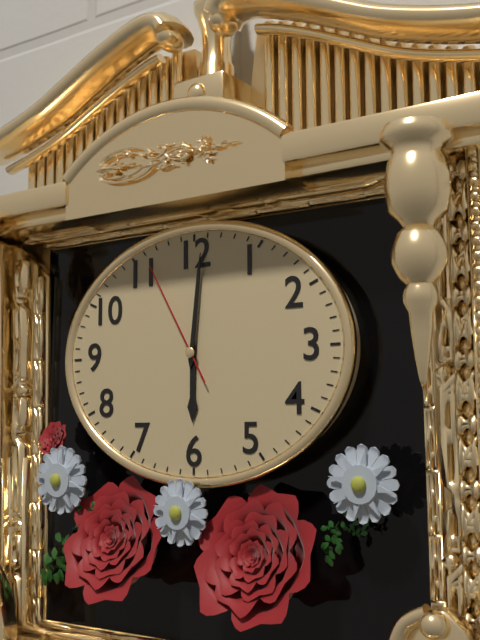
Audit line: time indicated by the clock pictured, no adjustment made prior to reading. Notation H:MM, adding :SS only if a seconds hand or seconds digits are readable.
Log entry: 6:01:55
